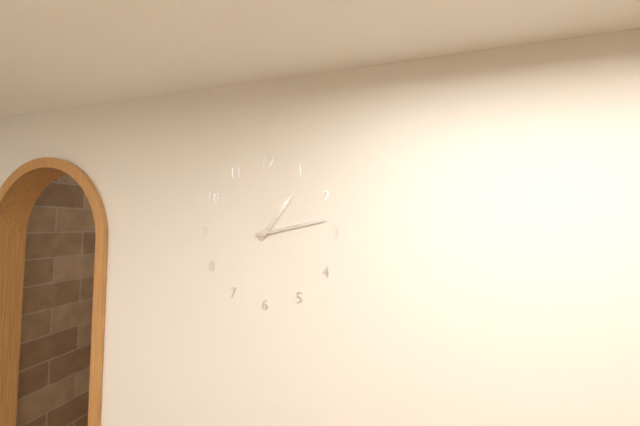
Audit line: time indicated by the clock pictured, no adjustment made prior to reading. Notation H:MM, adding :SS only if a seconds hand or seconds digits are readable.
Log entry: 1:13
